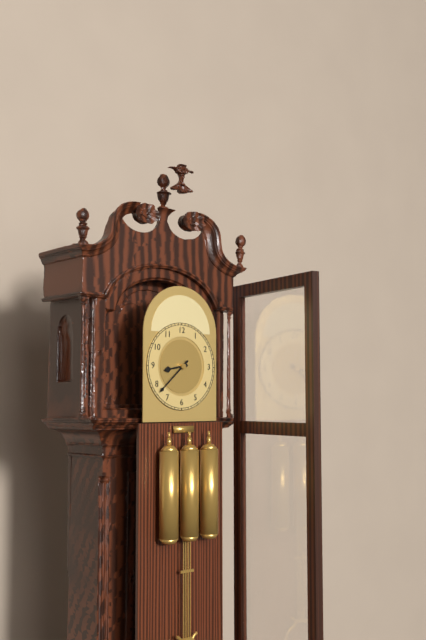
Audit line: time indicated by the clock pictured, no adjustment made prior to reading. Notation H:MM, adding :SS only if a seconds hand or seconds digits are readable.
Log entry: 8:38
